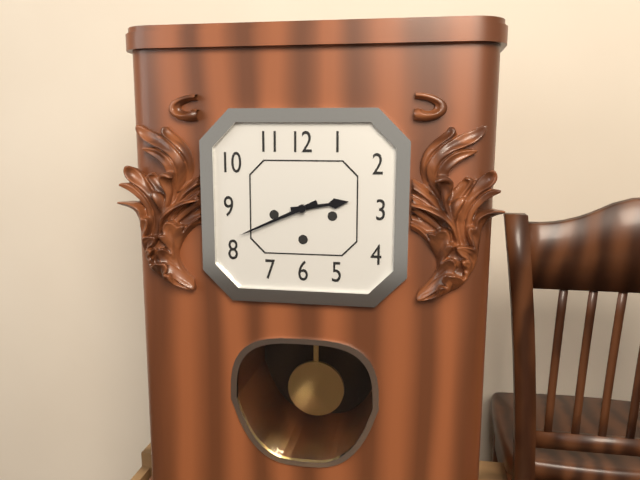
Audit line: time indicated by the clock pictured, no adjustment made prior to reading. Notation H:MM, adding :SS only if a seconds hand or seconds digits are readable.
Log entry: 2:41
